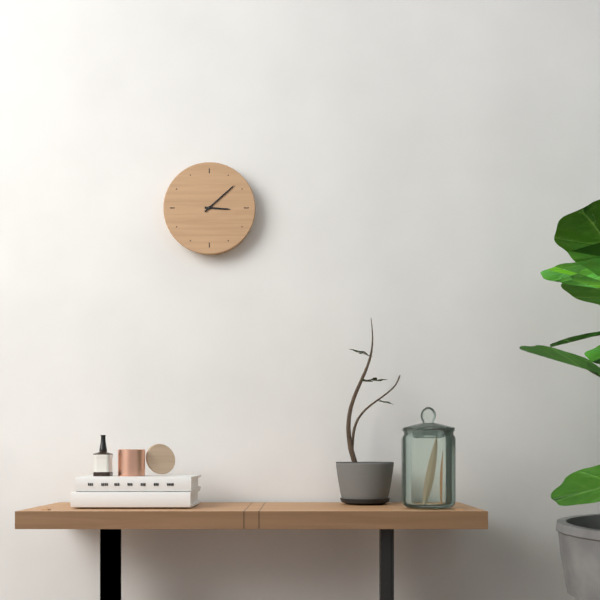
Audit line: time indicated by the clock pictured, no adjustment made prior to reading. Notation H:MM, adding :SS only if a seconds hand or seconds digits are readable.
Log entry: 3:08
